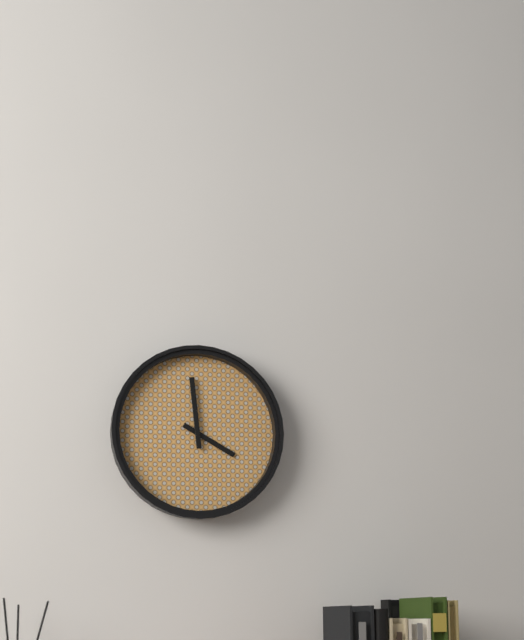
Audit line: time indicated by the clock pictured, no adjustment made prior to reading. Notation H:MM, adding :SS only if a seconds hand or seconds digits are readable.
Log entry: 3:59
